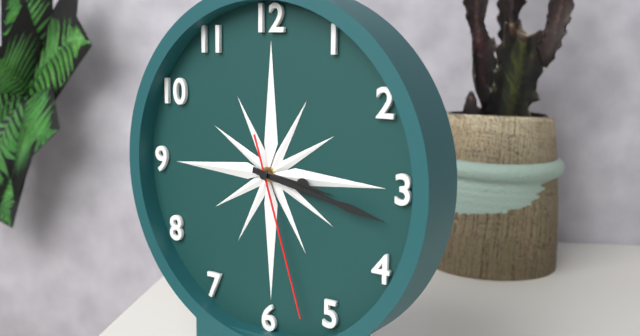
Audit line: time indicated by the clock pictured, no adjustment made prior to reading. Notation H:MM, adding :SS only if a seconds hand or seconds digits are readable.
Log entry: 3:17:27
